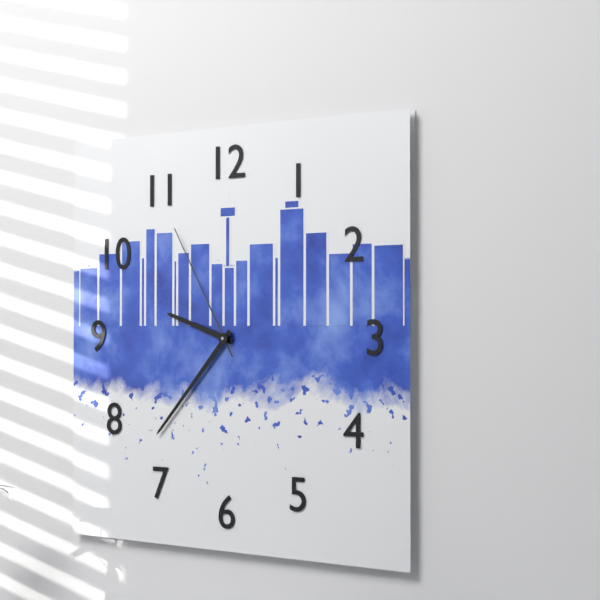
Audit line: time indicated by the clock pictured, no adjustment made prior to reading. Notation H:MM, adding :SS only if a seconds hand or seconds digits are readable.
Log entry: 9:37:55
